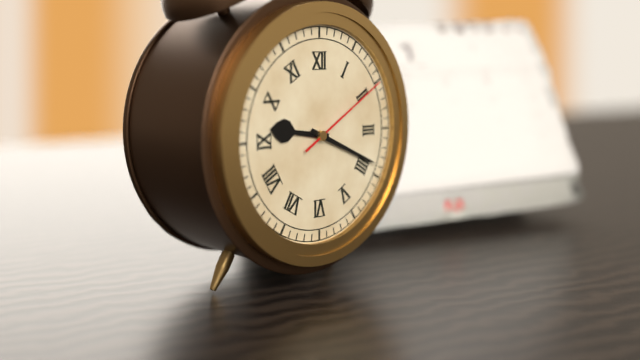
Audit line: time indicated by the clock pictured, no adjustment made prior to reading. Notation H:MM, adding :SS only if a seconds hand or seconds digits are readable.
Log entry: 9:19:10
